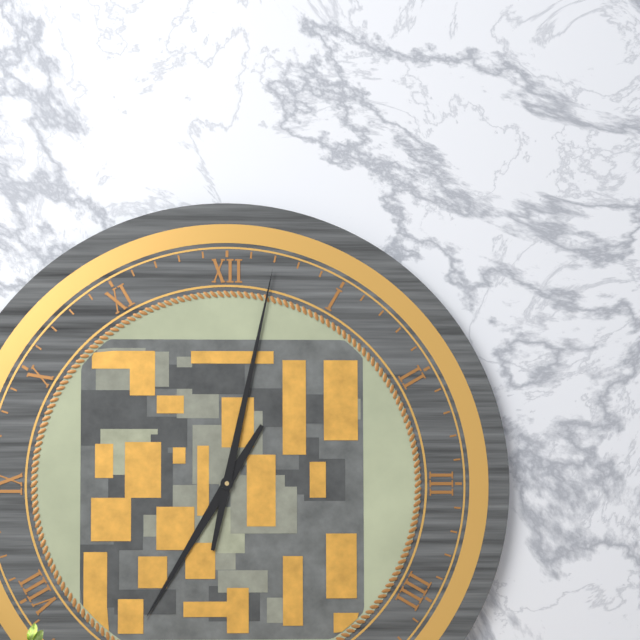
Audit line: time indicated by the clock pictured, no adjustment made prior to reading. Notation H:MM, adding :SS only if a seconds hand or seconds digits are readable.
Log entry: 7:02
